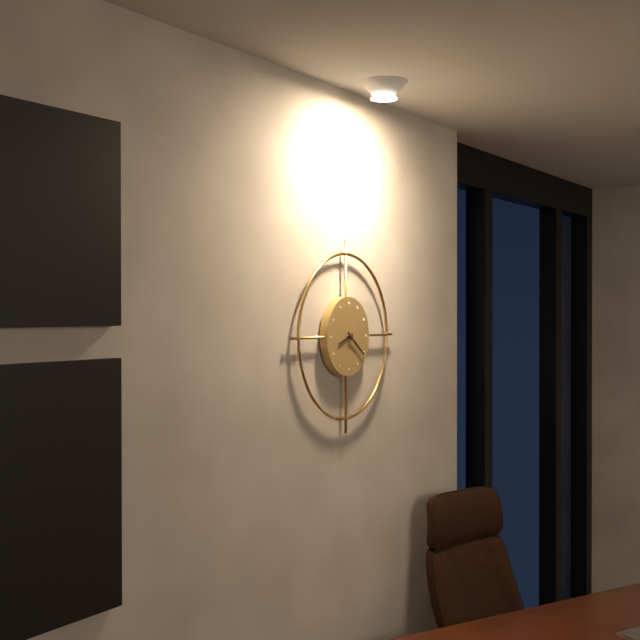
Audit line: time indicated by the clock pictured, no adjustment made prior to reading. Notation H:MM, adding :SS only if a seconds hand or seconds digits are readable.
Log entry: 8:21
